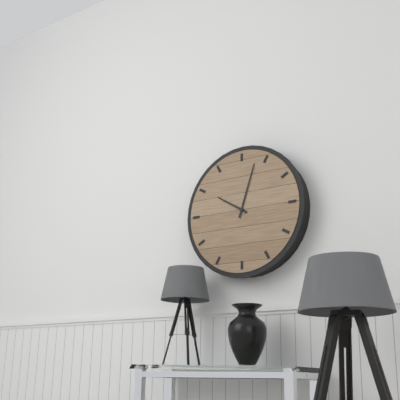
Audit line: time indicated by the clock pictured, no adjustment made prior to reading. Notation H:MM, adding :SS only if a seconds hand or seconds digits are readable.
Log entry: 10:03
